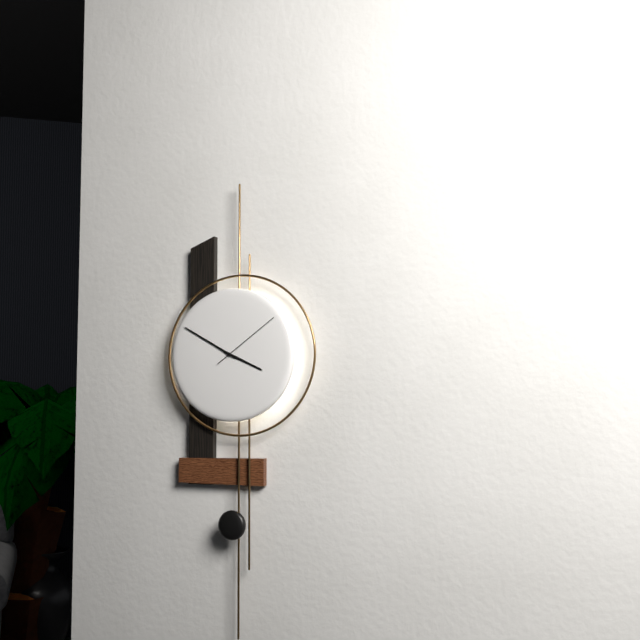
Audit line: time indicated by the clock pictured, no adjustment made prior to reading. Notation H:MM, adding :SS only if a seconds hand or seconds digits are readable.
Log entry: 3:50:09
